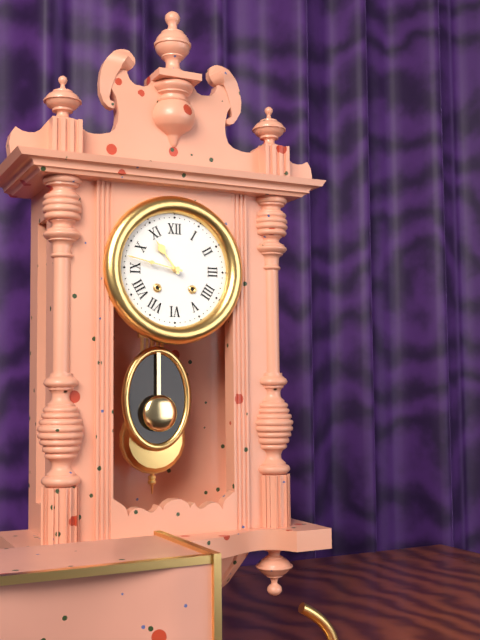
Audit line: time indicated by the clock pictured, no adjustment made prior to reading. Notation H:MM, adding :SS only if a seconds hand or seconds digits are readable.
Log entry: 10:47
